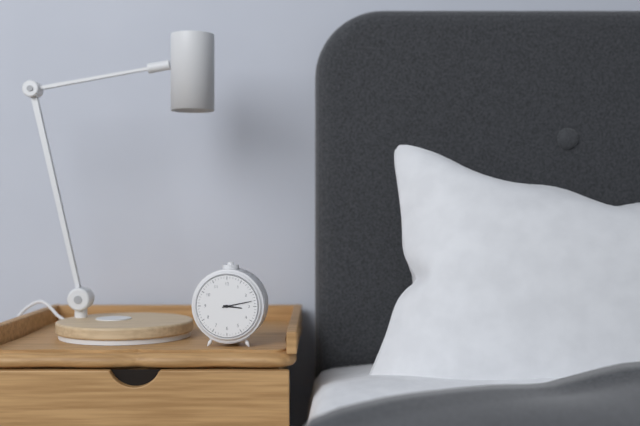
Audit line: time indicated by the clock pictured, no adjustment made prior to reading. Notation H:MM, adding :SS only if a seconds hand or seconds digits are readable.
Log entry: 3:13
